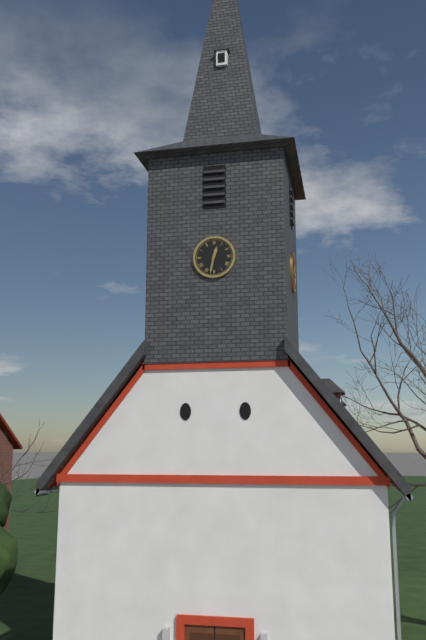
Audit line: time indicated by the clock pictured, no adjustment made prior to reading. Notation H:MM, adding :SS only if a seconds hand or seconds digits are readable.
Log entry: 12:32
